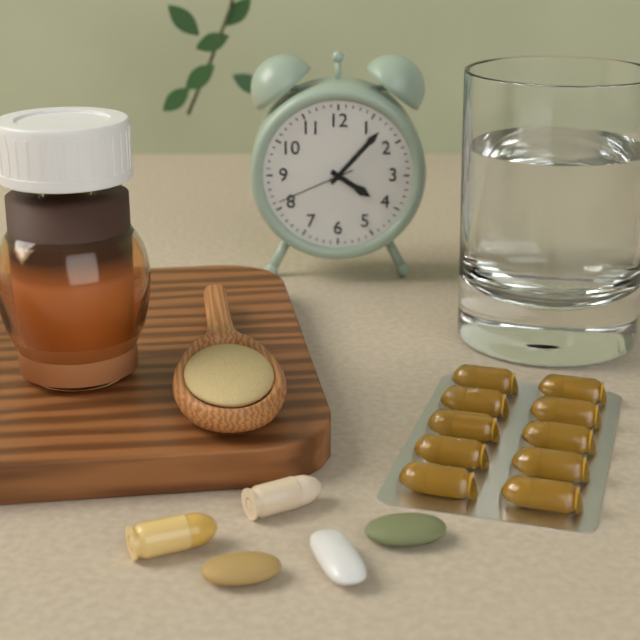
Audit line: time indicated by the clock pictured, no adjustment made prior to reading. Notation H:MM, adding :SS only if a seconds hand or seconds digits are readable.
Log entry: 4:07:41
